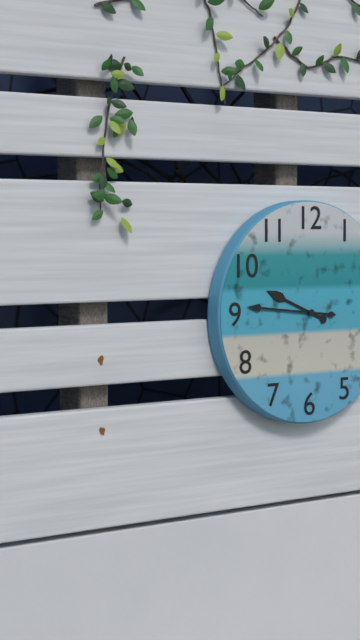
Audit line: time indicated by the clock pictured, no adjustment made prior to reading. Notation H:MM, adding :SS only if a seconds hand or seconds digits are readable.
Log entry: 9:46
